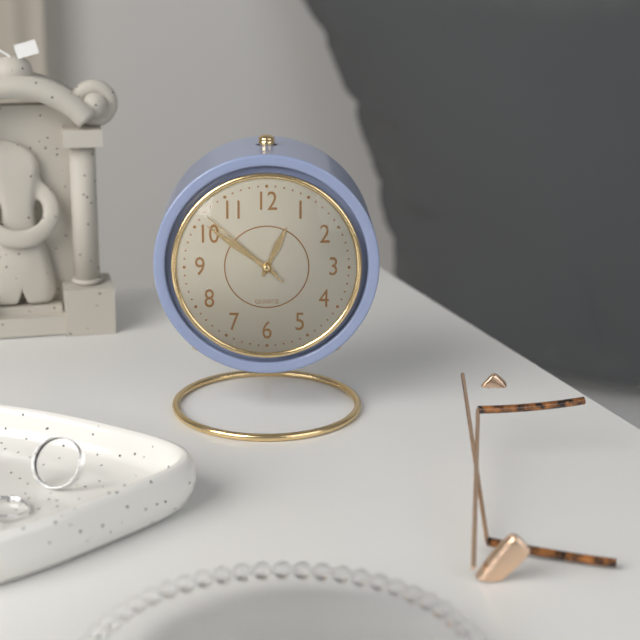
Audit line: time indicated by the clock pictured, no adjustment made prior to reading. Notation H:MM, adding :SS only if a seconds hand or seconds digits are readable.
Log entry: 12:51:52
